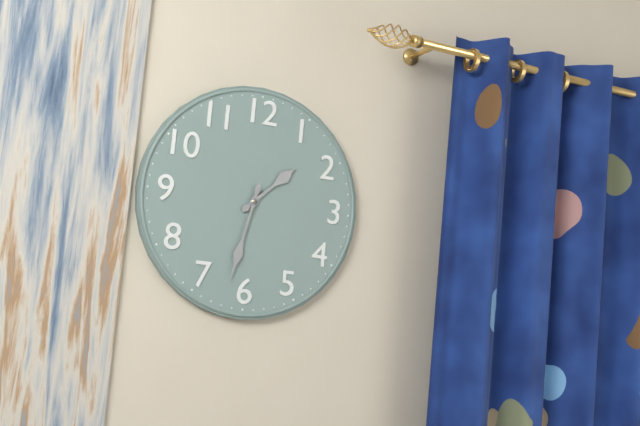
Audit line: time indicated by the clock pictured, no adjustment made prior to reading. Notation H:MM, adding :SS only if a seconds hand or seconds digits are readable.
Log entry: 1:32
